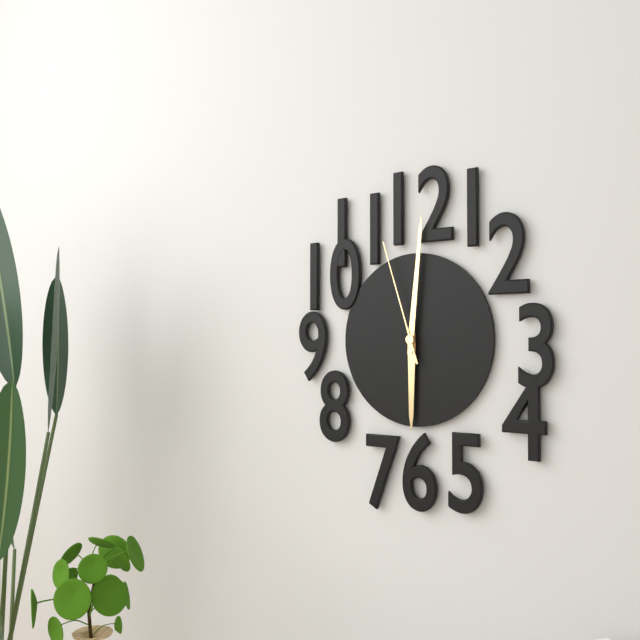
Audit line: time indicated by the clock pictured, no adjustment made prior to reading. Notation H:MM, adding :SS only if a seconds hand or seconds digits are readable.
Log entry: 6:01:57
